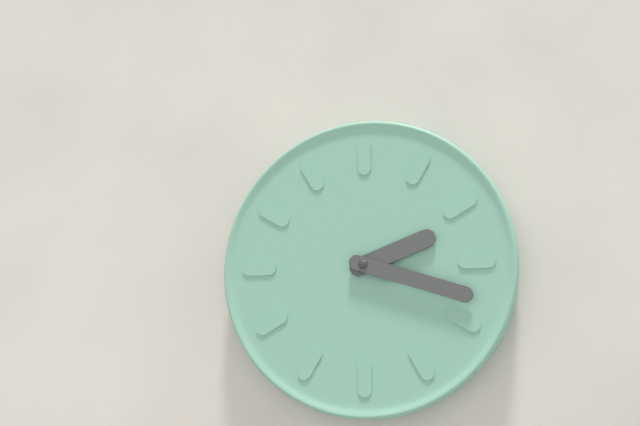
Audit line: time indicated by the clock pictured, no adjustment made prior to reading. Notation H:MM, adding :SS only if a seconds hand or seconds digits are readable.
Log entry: 2:18
